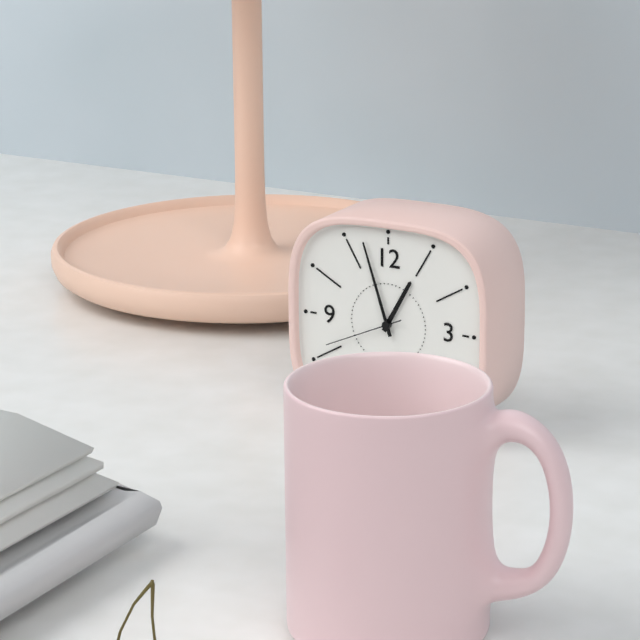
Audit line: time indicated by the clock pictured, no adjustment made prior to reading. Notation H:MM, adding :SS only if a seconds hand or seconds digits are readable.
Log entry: 12:57:41
